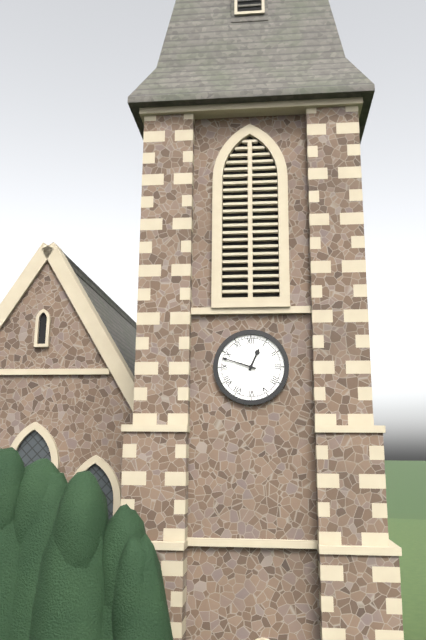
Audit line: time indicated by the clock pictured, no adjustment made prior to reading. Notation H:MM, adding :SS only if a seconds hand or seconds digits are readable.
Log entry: 12:48
